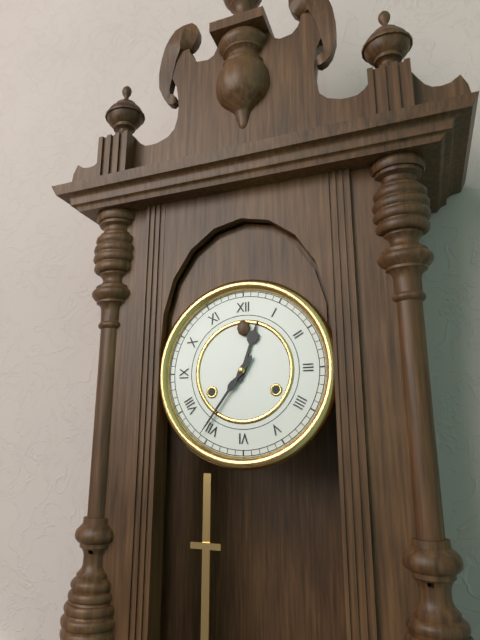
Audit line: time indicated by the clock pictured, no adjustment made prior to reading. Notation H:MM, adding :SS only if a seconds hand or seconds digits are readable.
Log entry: 12:36
